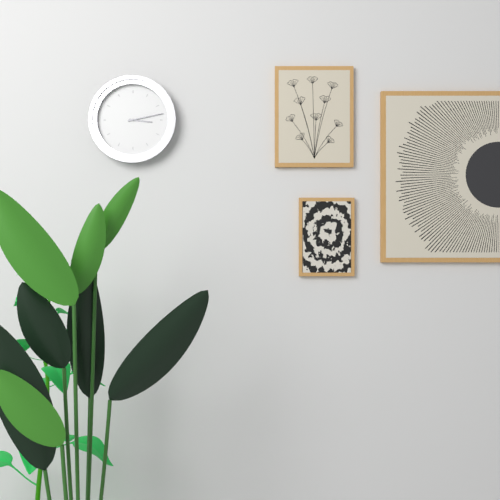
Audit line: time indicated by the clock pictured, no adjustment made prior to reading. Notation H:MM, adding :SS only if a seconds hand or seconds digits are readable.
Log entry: 3:13
